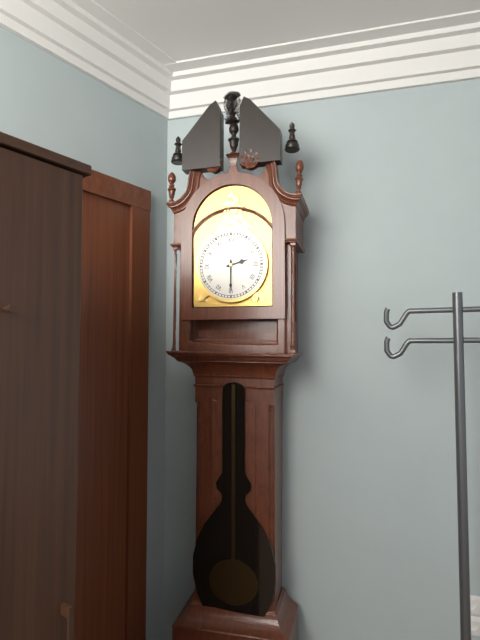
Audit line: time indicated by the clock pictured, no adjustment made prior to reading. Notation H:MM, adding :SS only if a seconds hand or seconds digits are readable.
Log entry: 2:30
